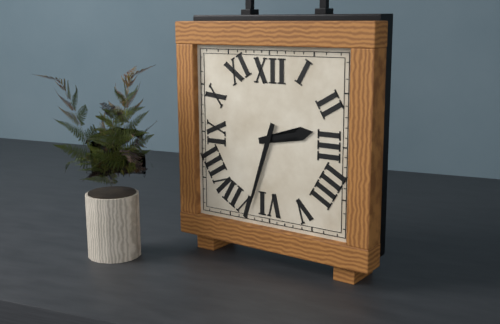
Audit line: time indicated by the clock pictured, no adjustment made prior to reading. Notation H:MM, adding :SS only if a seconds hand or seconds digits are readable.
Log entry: 2:33
